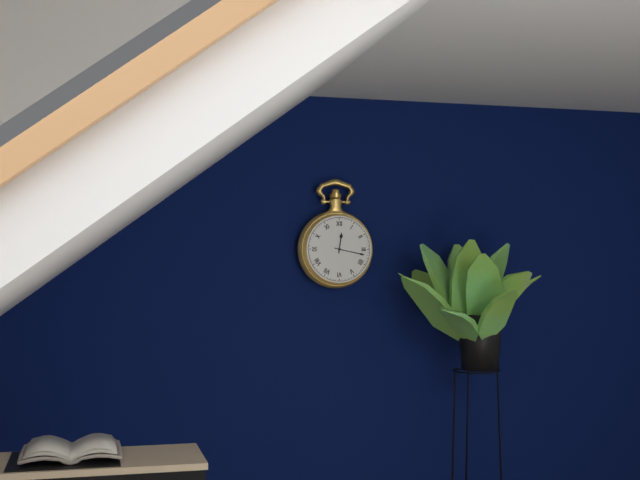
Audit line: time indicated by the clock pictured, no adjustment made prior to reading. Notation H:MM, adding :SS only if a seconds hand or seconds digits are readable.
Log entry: 12:17
